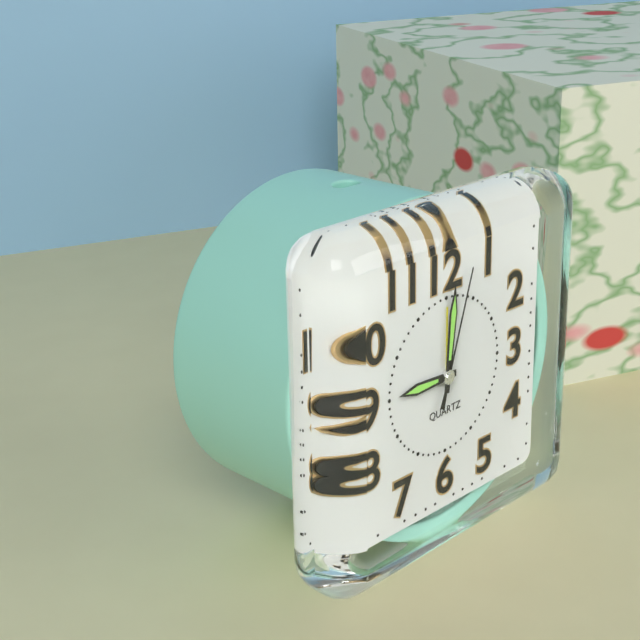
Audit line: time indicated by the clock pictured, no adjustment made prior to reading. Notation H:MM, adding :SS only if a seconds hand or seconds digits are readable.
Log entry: 9:01:03
